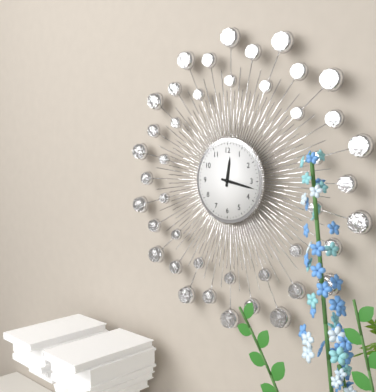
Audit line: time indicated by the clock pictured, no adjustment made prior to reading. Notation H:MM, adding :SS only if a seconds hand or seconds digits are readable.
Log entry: 12:17
